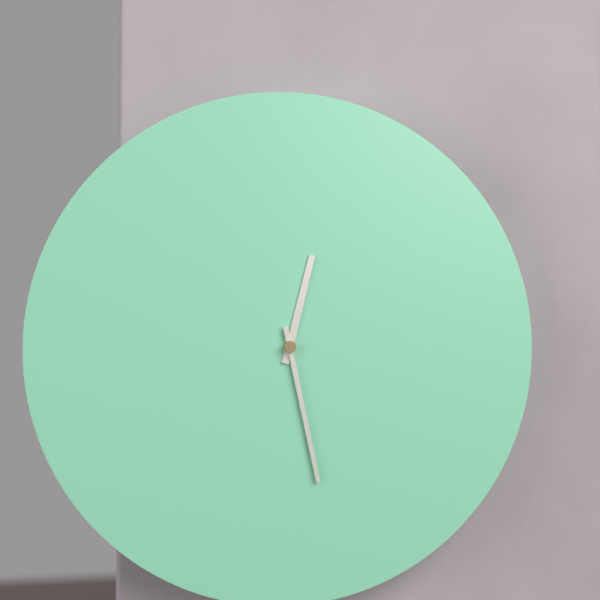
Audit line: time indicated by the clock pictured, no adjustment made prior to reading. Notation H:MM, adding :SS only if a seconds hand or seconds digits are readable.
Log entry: 12:28
